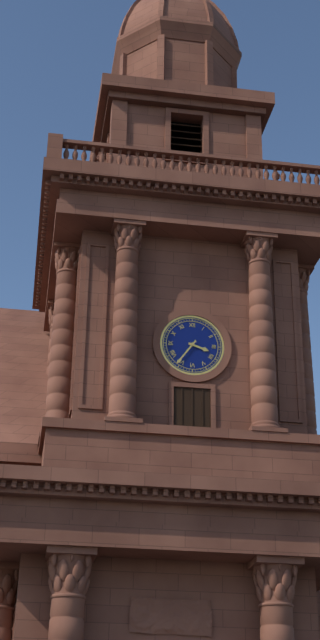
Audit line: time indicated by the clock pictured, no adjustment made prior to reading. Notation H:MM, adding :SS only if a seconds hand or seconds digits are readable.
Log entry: 3:36
